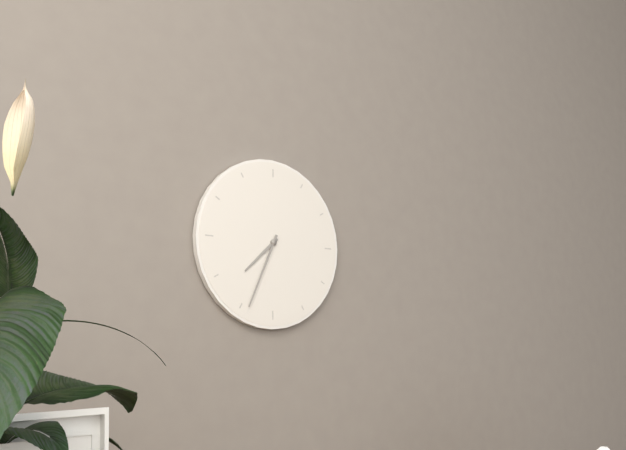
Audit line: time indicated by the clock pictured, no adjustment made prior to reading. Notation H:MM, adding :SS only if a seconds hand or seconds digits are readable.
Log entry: 7:34
